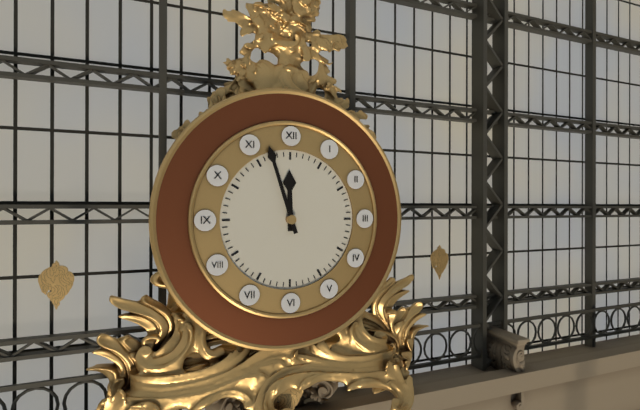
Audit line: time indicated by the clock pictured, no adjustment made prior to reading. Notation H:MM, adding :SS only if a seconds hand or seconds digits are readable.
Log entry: 11:57
